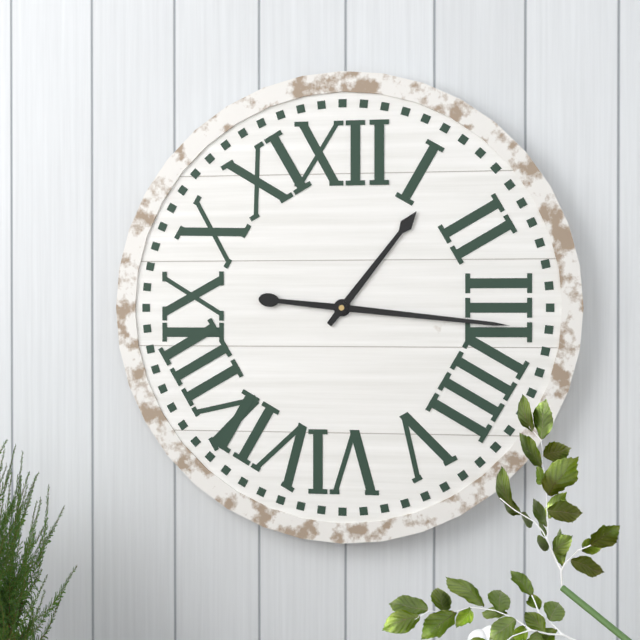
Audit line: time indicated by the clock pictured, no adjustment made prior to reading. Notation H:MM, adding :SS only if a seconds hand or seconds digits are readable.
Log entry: 1:16
